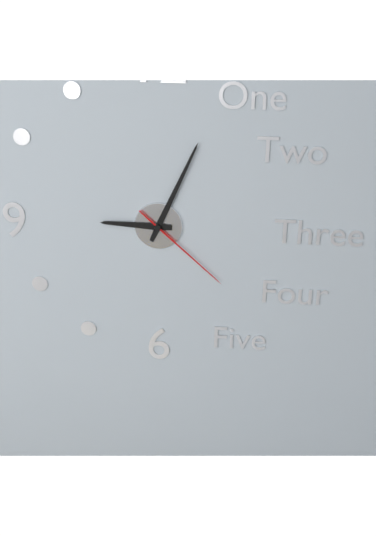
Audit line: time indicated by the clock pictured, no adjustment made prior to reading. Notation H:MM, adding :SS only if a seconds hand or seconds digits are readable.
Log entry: 9:04:22
